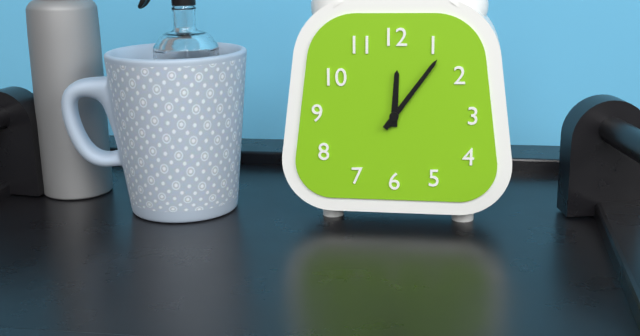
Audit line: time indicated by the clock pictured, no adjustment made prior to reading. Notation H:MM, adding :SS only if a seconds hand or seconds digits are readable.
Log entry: 12:06
